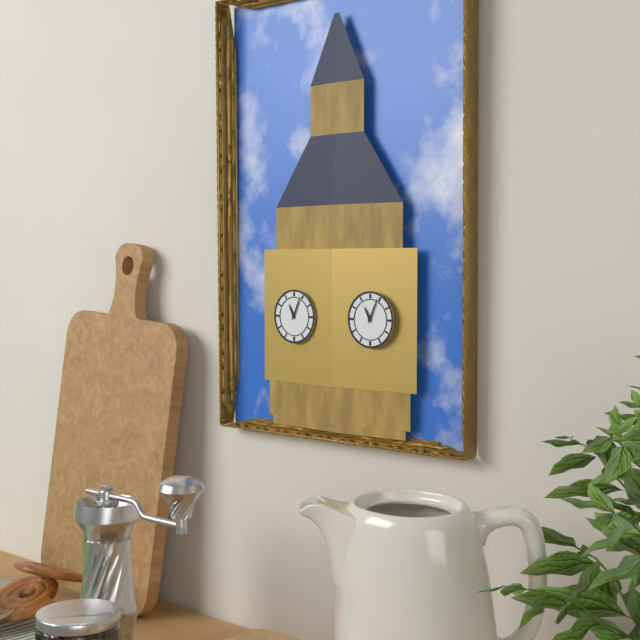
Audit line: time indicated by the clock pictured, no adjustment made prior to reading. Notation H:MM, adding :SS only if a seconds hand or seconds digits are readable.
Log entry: 11:04
